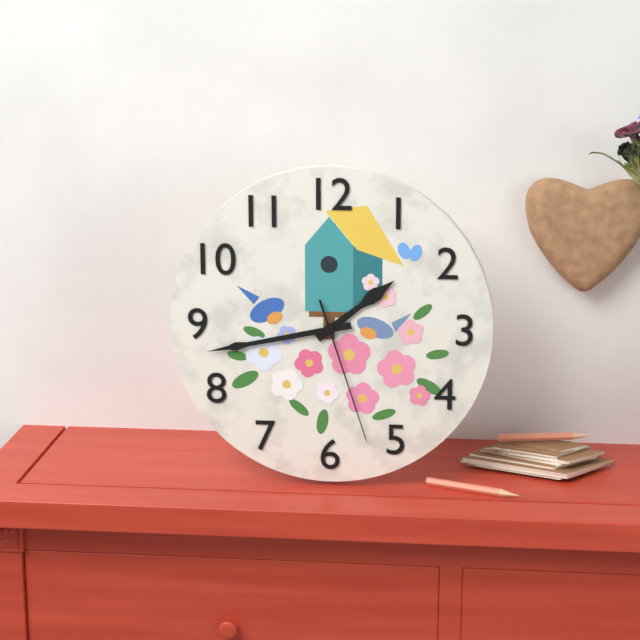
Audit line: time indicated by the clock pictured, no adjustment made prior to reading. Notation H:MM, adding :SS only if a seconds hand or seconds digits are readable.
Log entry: 1:43:27
